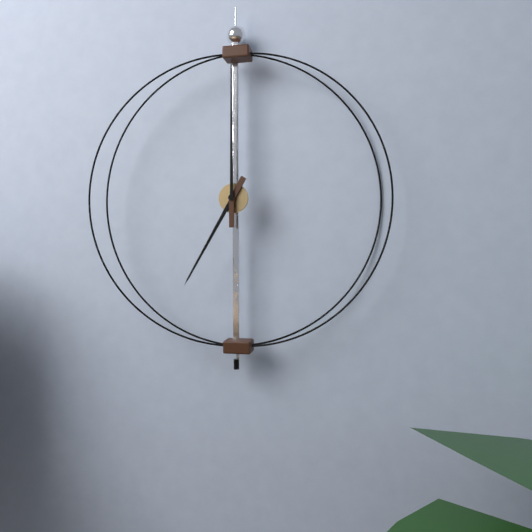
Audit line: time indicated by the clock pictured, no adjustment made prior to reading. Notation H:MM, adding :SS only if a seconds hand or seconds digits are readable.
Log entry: 7:00
